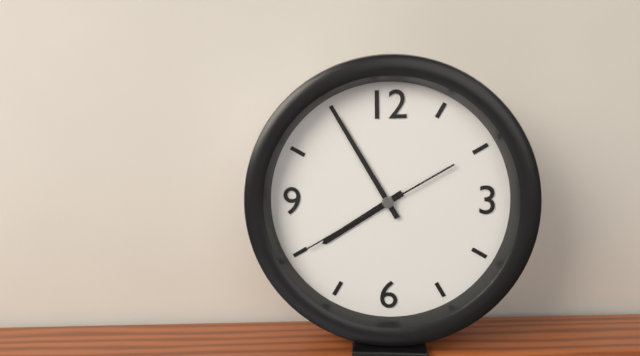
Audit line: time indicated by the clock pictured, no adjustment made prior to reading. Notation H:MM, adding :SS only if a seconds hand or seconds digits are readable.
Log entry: 7:55:40
